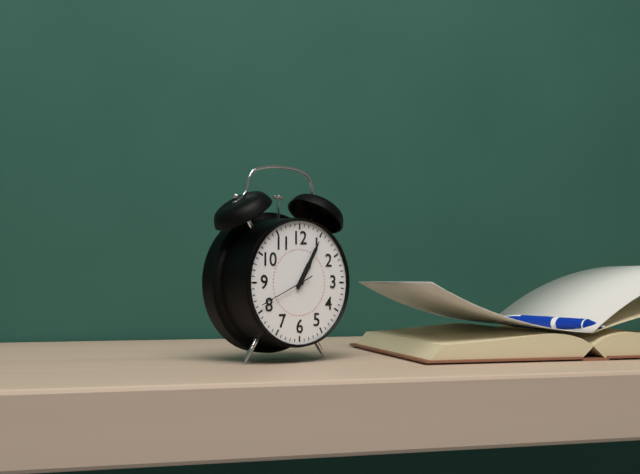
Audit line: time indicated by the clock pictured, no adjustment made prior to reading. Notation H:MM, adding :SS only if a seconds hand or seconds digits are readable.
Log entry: 1:05
